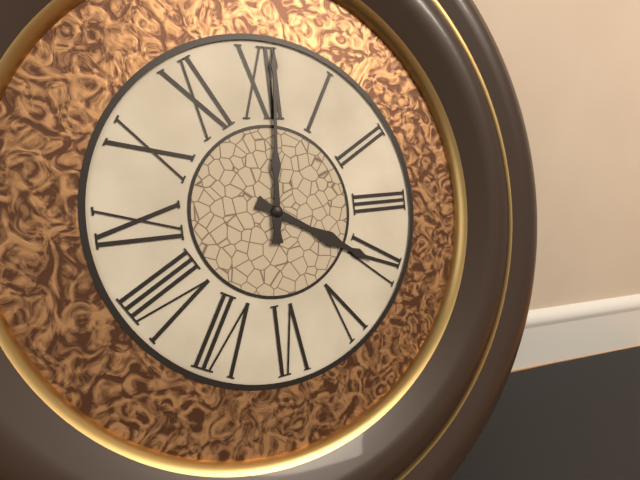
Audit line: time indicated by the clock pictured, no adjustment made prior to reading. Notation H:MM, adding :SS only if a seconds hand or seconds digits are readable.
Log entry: 4:01
